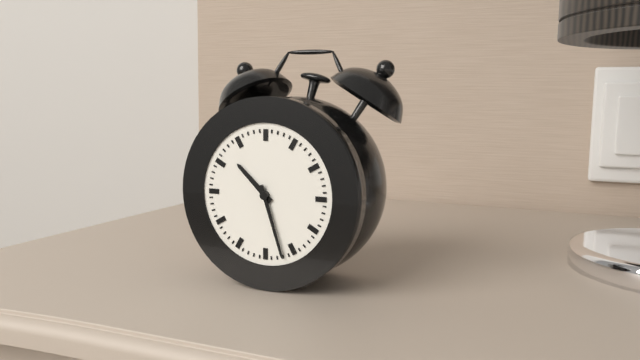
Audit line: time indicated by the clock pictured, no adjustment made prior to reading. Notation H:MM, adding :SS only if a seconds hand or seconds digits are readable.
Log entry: 10:27
